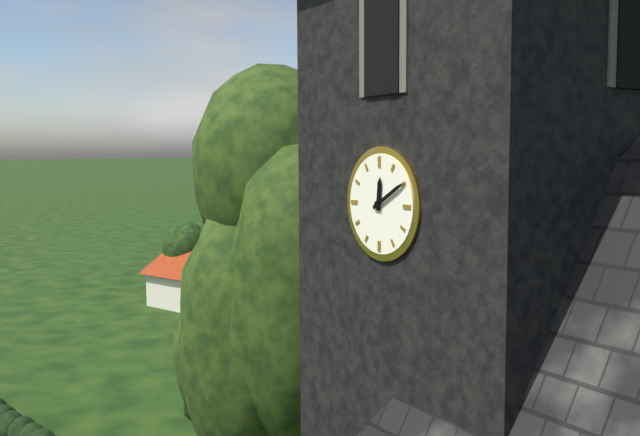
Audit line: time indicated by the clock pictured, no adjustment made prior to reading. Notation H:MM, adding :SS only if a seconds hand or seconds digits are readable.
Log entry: 12:10
